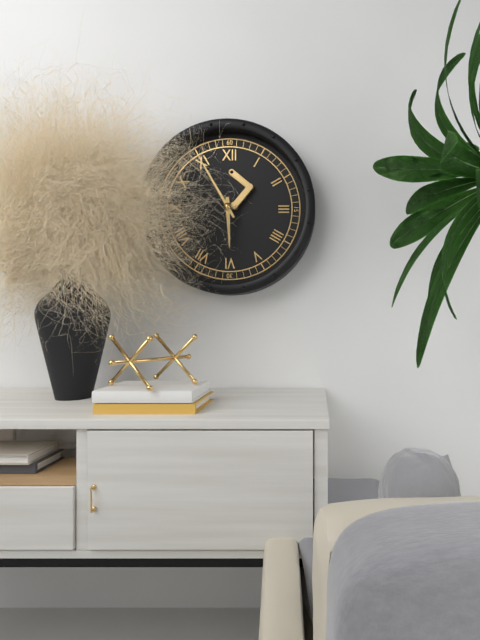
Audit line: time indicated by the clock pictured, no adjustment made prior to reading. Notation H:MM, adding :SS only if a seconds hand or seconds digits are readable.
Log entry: 5:55
